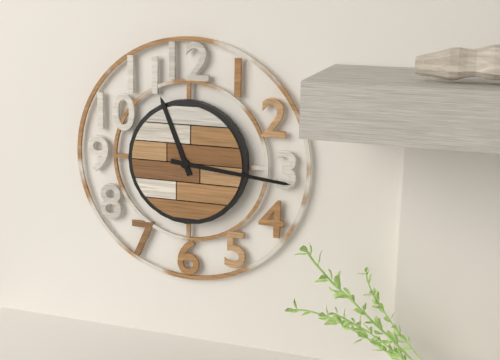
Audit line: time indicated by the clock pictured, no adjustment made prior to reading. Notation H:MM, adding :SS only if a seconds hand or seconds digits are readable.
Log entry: 11:16
